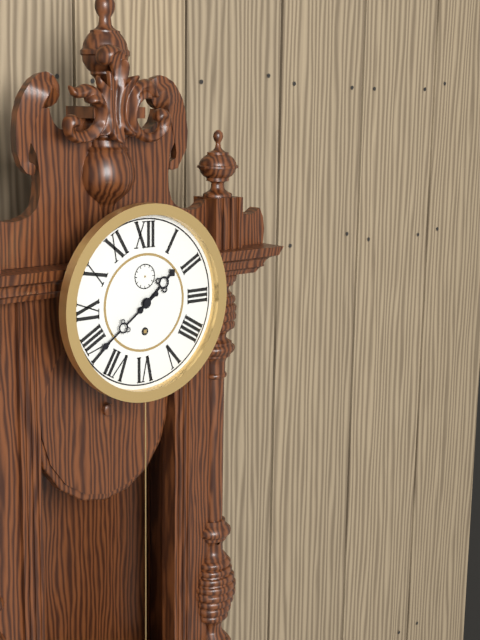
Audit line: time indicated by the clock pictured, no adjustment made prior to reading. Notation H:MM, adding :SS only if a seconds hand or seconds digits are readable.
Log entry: 1:39
